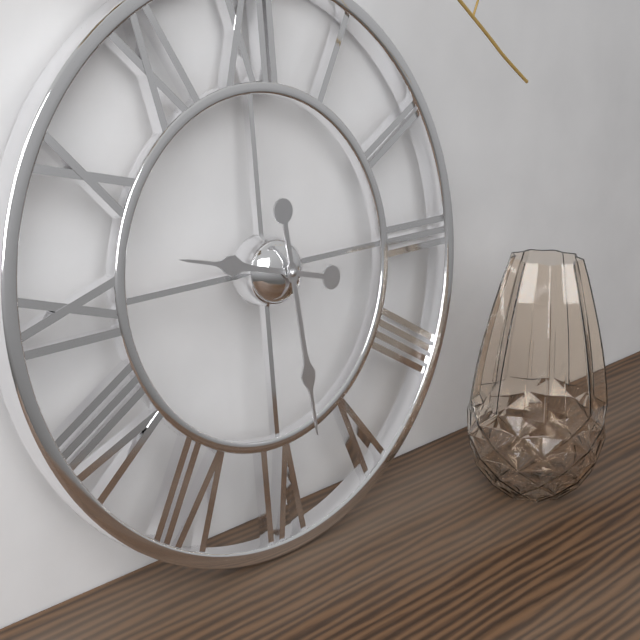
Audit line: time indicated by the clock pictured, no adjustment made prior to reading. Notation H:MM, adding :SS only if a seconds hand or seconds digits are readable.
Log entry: 9:29
